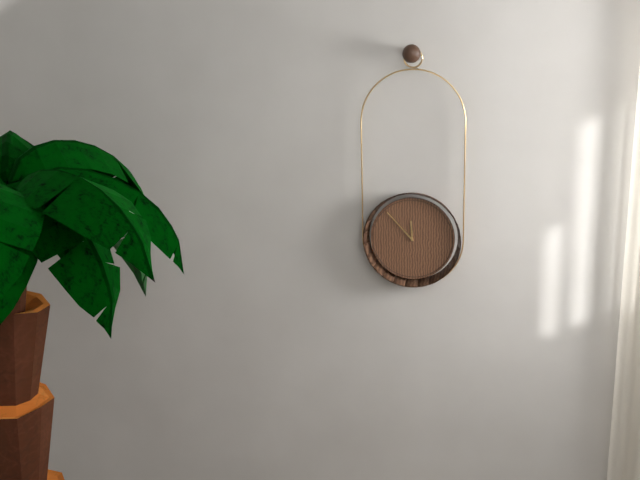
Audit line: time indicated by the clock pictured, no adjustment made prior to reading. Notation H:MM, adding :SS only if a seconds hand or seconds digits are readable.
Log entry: 11:53
